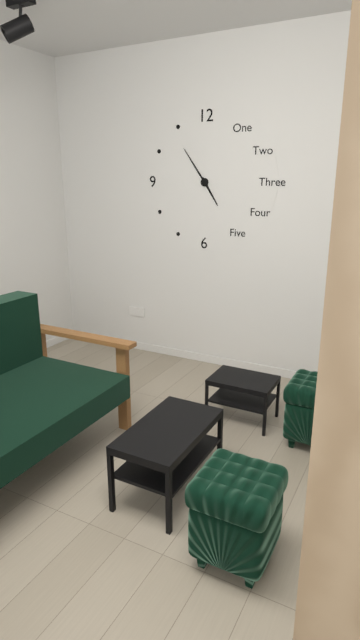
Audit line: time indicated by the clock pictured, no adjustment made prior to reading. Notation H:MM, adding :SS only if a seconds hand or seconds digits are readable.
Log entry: 4:54
